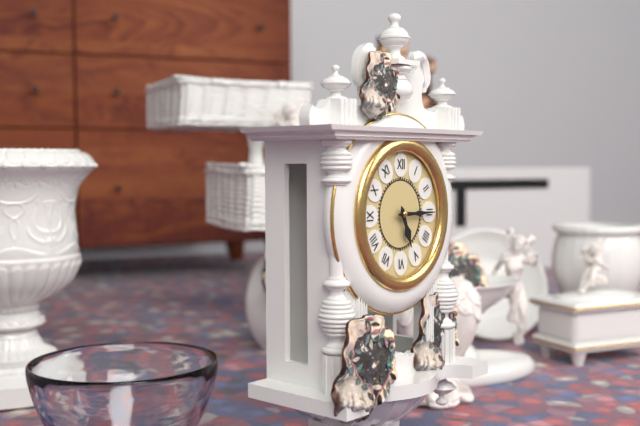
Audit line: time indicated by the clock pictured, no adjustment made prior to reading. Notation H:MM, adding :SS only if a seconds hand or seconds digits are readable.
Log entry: 5:15
